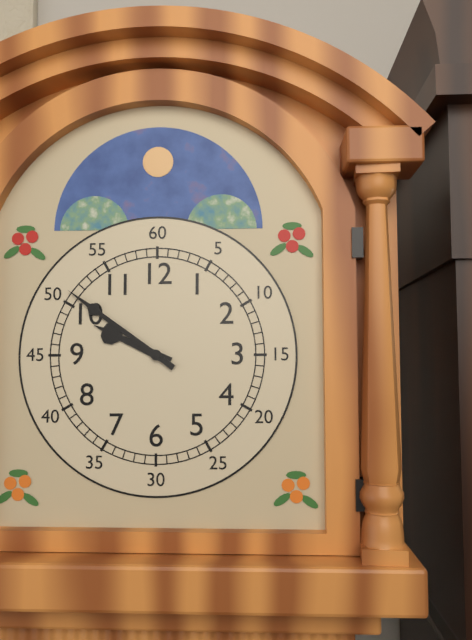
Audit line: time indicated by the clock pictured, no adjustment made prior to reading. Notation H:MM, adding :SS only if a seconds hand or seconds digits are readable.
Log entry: 9:51
